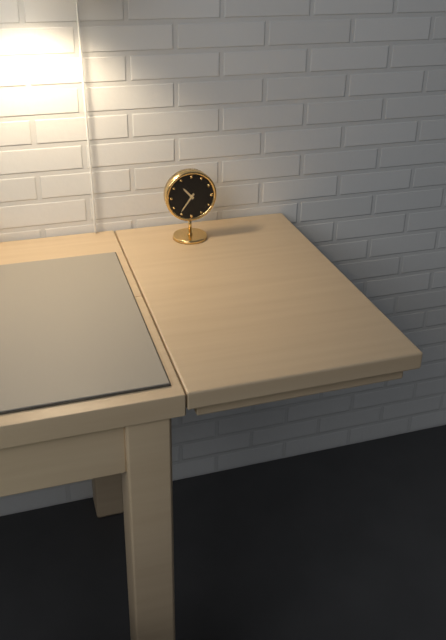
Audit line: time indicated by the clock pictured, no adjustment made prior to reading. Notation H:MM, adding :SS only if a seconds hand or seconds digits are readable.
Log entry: 10:36
